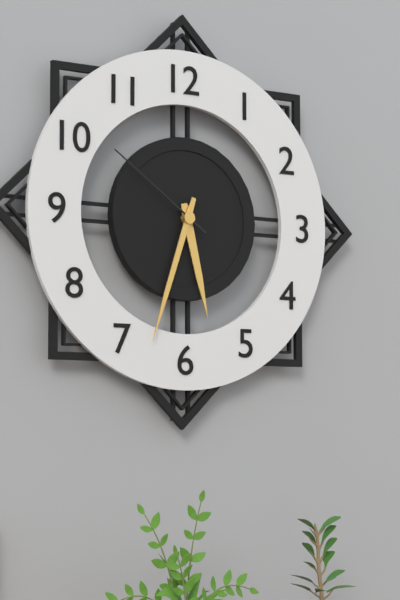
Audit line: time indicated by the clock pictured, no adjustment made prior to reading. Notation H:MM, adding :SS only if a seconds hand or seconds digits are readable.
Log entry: 5:33:51
